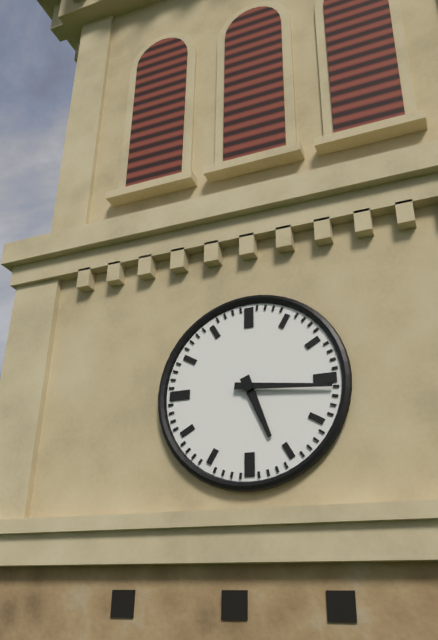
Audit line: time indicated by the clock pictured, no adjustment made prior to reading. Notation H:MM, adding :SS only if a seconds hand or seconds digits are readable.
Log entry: 5:16
